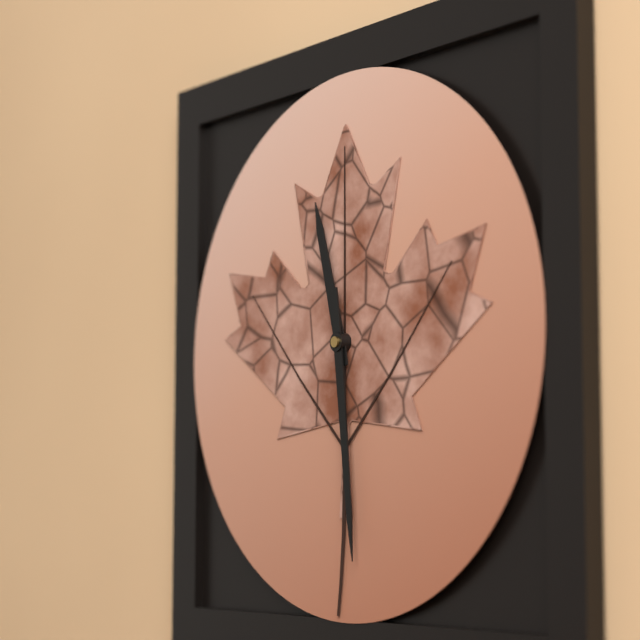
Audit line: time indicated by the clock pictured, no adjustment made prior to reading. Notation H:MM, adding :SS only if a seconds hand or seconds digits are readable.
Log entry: 11:29
